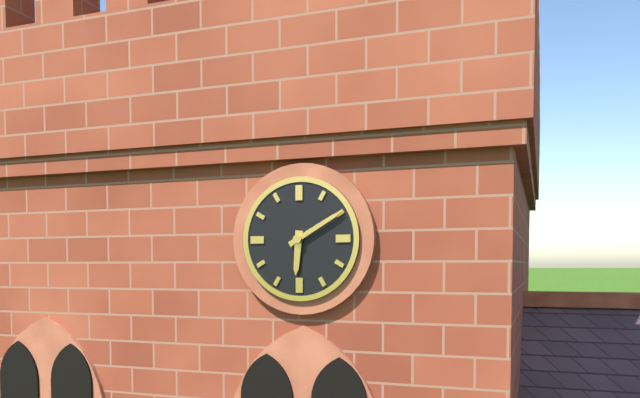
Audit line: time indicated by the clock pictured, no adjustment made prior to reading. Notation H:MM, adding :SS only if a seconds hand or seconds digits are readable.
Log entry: 6:10
